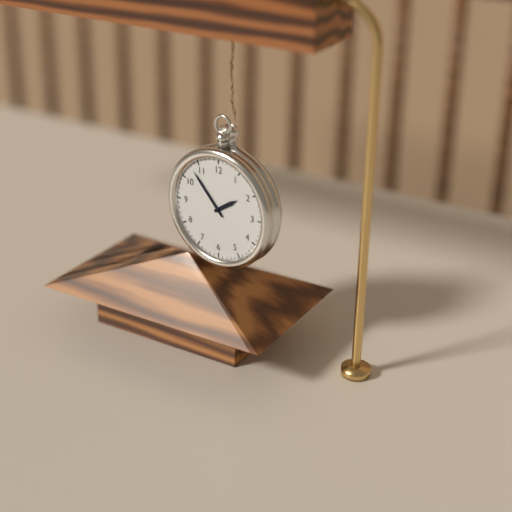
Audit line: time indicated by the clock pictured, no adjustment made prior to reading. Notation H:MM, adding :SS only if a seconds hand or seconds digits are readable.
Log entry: 1:53
